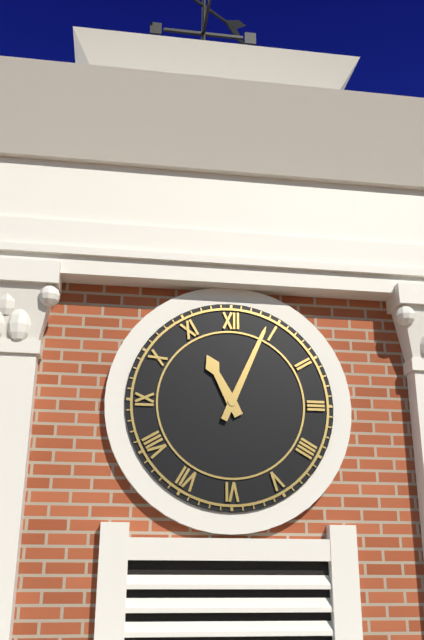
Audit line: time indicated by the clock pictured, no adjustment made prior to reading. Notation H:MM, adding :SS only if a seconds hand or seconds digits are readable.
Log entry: 11:04
